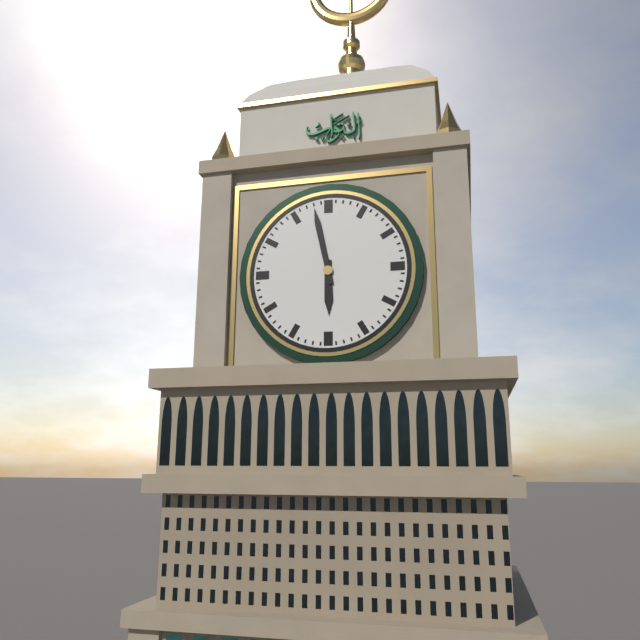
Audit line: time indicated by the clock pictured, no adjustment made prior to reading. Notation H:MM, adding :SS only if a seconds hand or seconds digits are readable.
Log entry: 5:58
